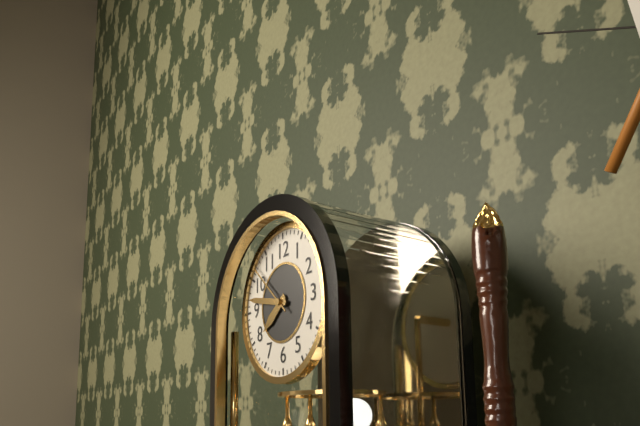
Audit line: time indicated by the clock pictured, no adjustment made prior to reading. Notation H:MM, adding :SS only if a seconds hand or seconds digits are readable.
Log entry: 7:47:52
